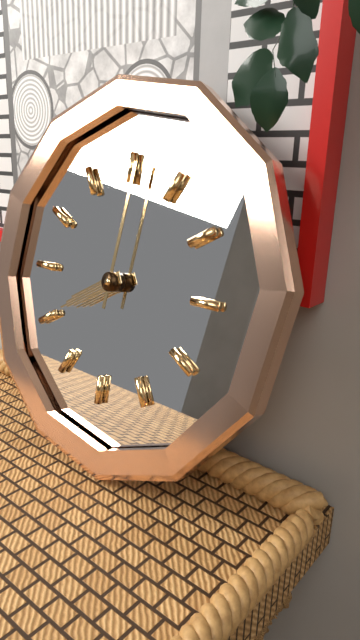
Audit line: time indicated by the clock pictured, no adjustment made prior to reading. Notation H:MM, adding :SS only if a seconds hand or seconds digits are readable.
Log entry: 8:01
